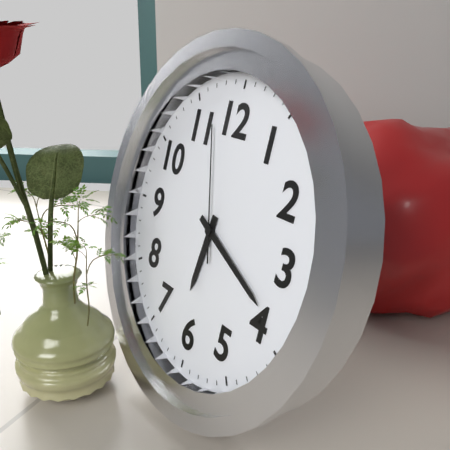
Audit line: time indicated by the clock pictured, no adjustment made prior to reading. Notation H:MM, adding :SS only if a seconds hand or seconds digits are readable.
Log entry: 6:19:57
